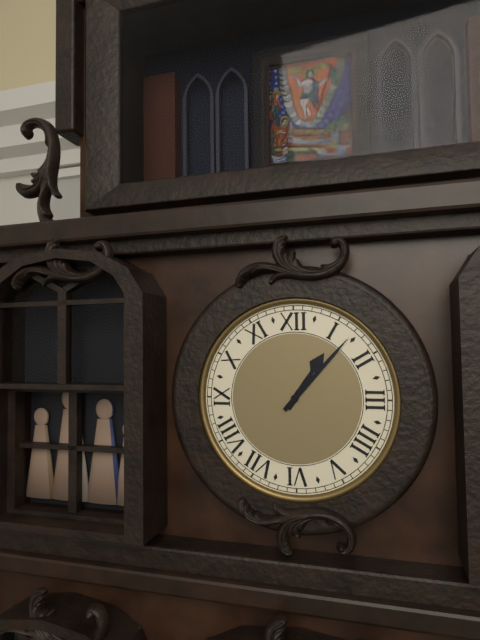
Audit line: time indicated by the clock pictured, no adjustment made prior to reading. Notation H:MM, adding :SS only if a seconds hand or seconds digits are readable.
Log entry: 1:07
